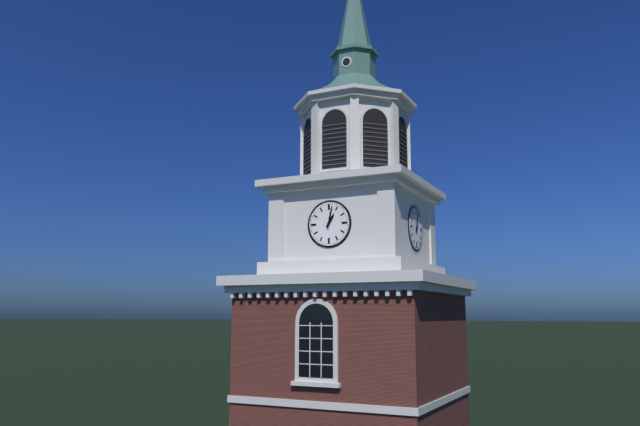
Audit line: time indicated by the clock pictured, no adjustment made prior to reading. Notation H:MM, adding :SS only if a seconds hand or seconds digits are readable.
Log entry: 1:02
